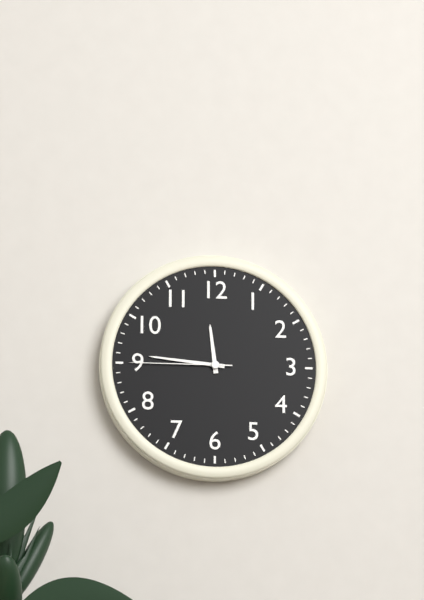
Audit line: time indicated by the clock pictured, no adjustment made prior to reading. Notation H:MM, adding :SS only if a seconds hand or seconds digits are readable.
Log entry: 11:46:45
